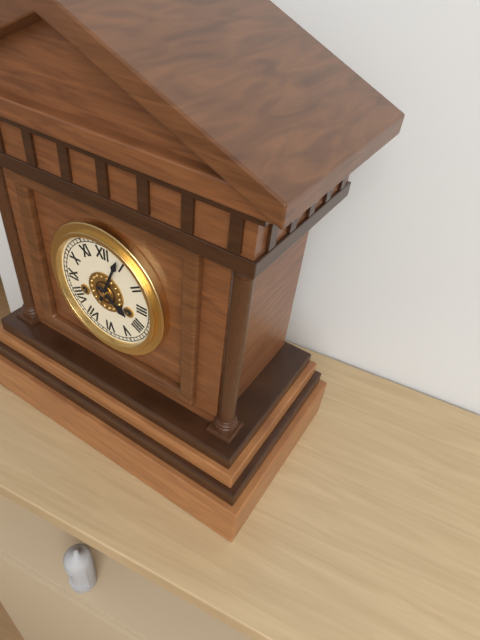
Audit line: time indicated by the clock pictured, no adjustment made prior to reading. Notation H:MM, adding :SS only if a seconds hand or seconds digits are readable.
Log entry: 4:04
